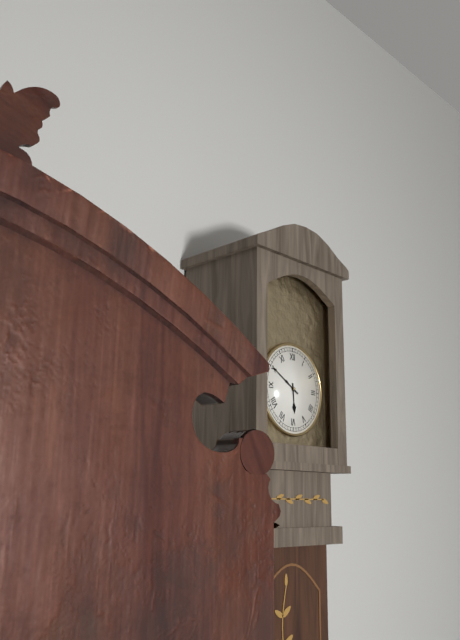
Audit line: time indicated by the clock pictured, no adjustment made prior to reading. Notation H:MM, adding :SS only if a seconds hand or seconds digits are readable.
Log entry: 5:50
